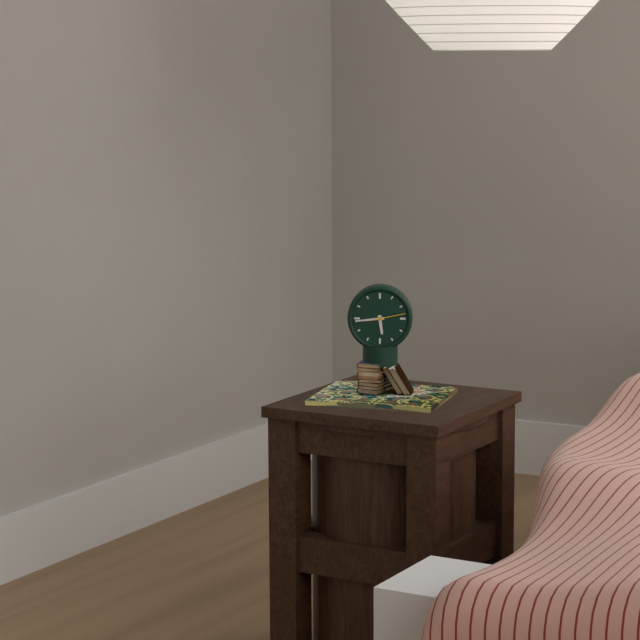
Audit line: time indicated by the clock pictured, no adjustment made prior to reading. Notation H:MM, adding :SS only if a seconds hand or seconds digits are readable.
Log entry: 5:44
